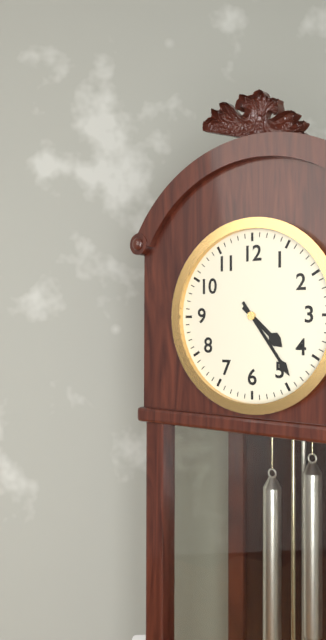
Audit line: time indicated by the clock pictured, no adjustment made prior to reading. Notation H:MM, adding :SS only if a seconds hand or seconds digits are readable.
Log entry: 4:24
